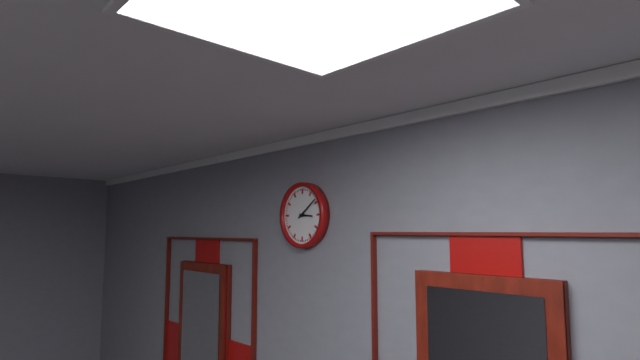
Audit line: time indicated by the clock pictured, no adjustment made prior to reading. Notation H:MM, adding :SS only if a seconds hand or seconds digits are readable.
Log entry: 3:09
